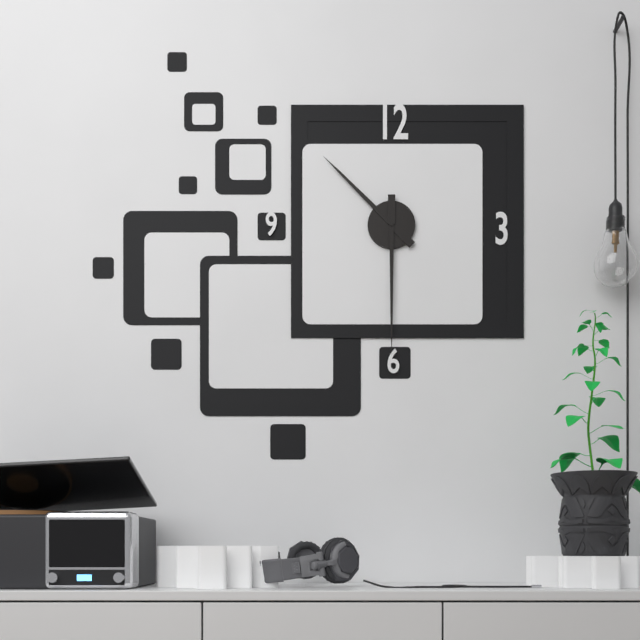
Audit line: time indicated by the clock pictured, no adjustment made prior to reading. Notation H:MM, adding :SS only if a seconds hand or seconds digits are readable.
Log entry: 10:30
